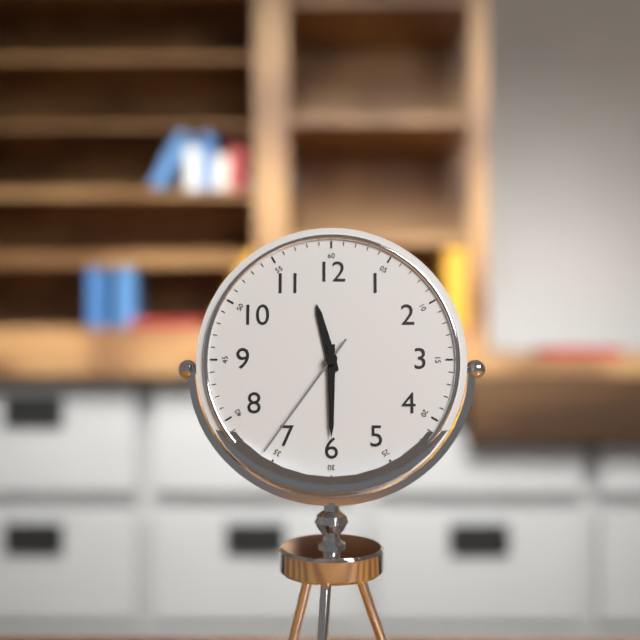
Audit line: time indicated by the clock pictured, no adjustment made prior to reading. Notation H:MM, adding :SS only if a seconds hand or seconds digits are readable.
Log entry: 11:30:36
